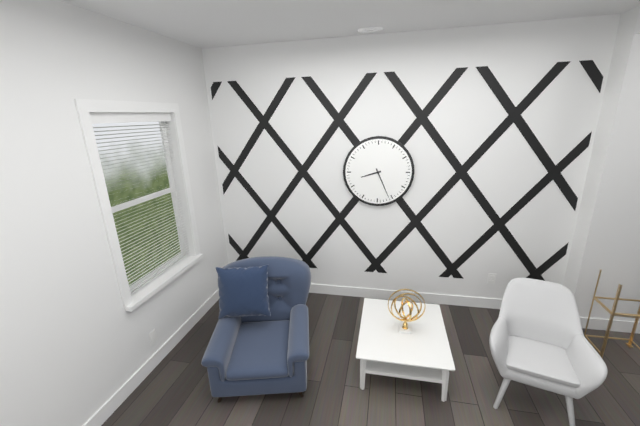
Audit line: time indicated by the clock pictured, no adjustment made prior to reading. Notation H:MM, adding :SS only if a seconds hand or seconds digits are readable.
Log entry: 8:26
